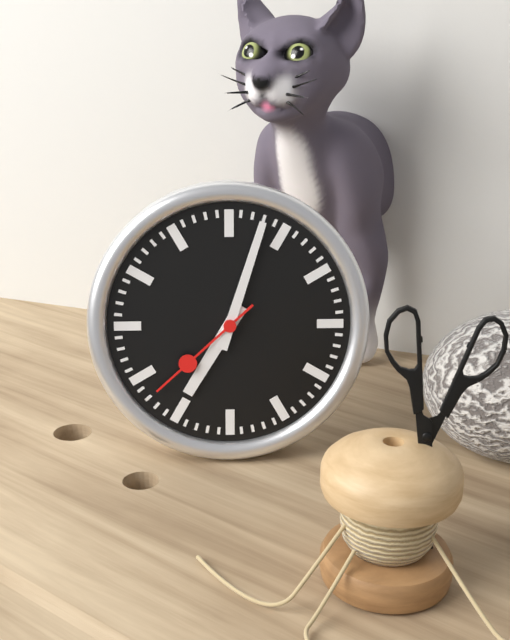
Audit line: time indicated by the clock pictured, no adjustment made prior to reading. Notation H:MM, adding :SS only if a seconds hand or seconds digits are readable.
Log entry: 7:03:38
